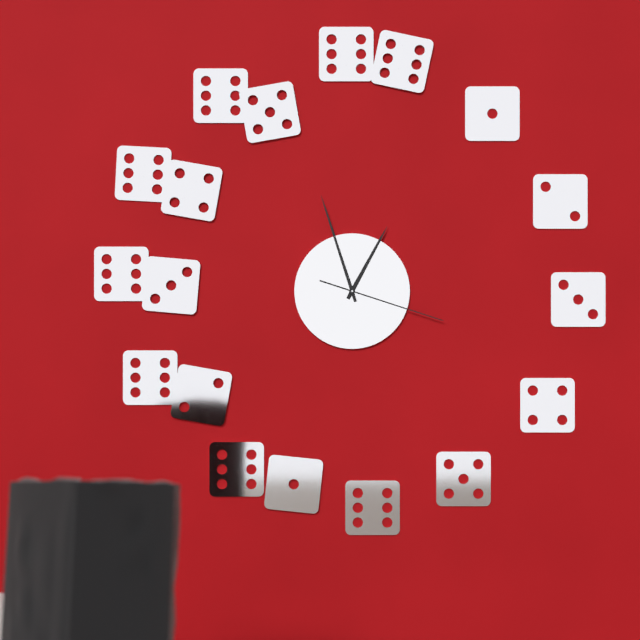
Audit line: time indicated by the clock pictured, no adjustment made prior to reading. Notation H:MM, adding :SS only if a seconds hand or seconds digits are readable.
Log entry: 12:57:18
